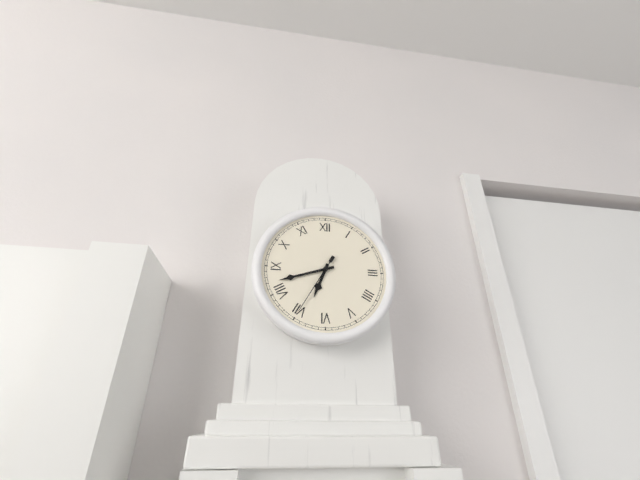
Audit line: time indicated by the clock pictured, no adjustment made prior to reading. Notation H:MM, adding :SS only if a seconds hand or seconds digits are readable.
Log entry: 6:42:35
